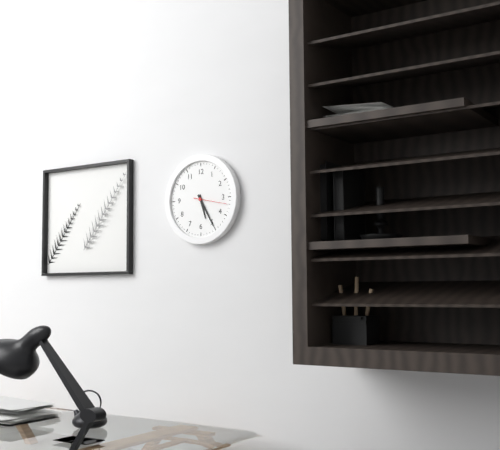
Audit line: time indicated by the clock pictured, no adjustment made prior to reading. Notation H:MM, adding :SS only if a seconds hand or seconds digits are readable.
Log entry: 5:25
